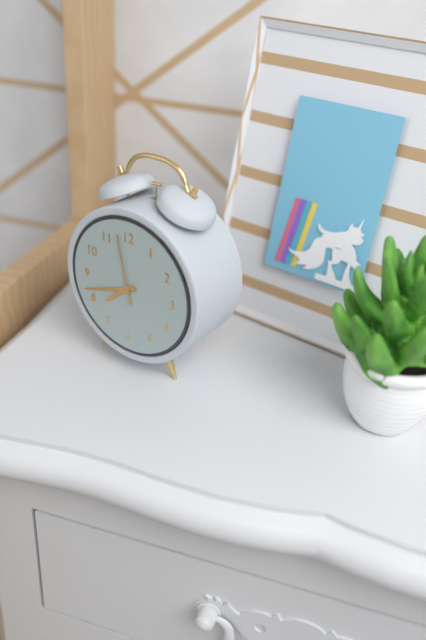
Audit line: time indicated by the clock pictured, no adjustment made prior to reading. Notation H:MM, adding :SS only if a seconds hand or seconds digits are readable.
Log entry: 7:42:58
